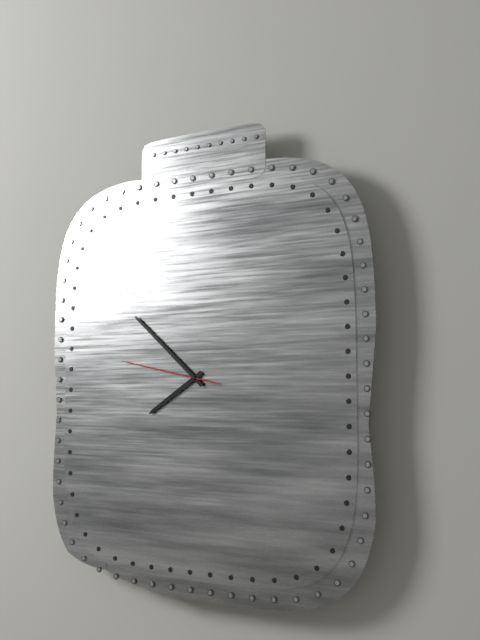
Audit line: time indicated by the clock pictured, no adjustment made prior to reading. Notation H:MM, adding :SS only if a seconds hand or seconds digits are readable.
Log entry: 7:52:47
